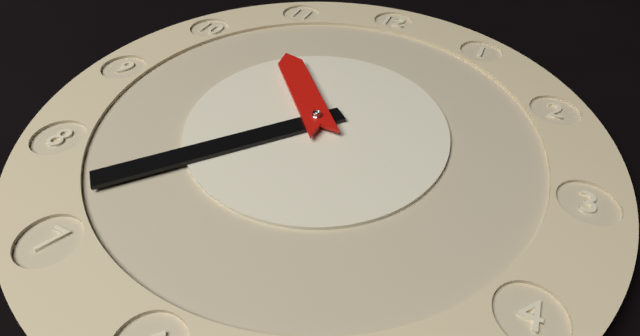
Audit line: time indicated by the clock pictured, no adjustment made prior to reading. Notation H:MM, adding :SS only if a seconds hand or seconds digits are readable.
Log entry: 10:37
